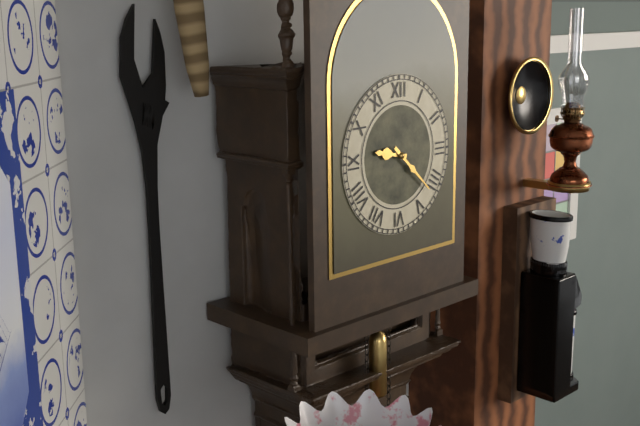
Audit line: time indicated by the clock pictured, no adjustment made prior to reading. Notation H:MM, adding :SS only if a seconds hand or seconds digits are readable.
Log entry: 9:22
